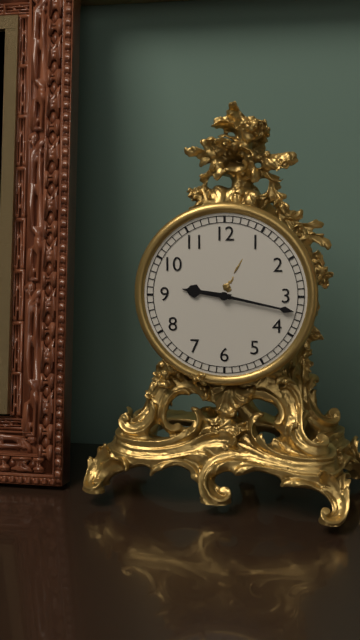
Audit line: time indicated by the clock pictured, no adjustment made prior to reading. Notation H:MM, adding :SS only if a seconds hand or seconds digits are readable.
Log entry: 9:17
